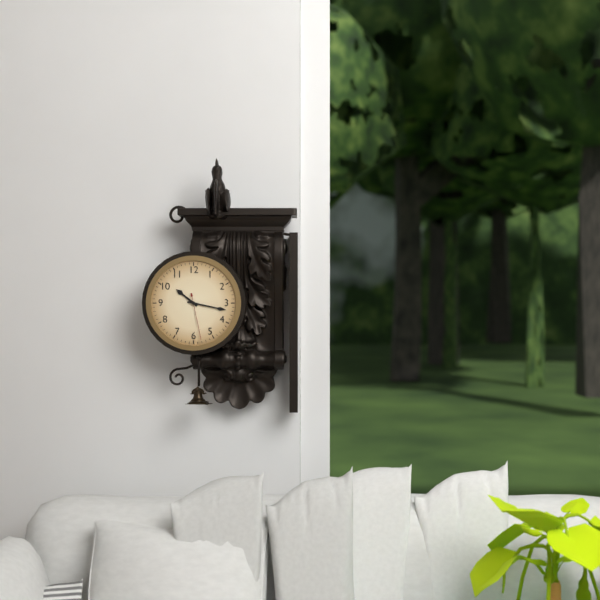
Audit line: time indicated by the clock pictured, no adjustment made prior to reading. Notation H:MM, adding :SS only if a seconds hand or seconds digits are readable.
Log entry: 10:17
